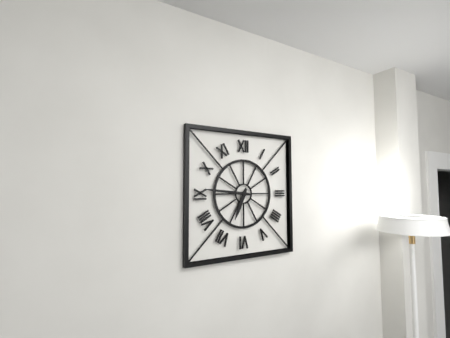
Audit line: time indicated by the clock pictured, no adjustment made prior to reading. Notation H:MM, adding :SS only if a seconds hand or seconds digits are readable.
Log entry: 6:46
